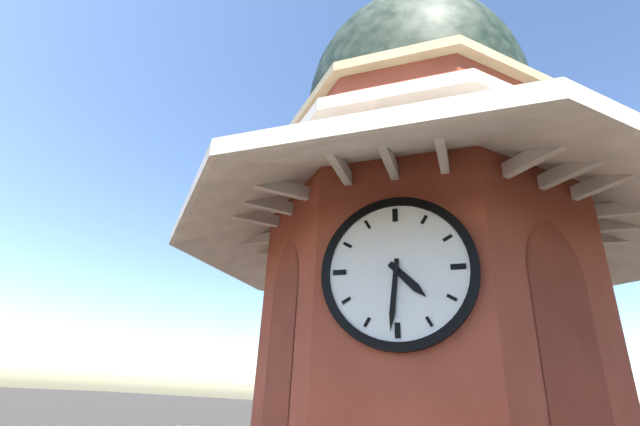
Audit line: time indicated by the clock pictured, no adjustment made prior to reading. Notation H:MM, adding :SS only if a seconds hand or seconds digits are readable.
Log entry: 4:31
